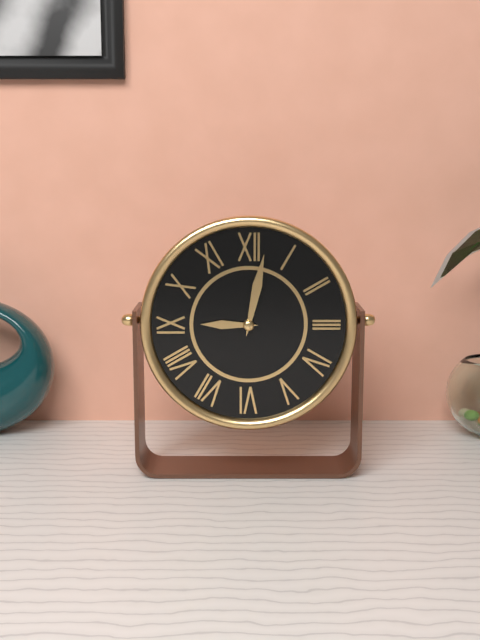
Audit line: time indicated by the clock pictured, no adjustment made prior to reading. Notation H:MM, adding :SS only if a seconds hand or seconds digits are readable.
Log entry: 9:02
